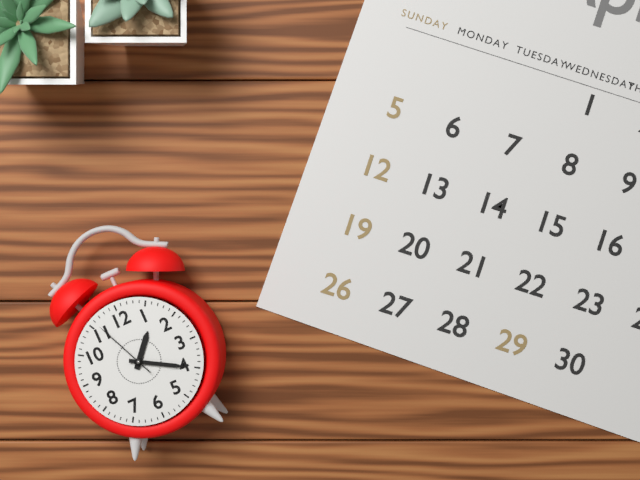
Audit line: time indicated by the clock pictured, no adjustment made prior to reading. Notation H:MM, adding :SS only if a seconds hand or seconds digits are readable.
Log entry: 1:20:56
